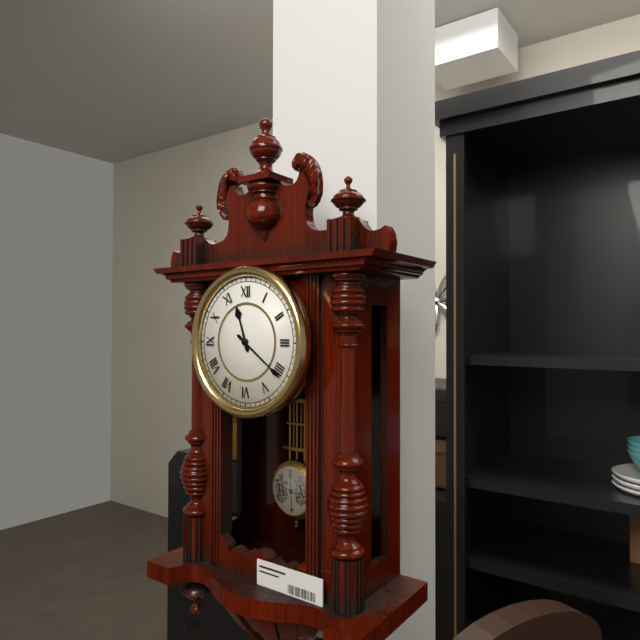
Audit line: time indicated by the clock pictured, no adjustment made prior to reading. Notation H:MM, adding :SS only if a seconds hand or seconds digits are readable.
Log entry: 11:21
